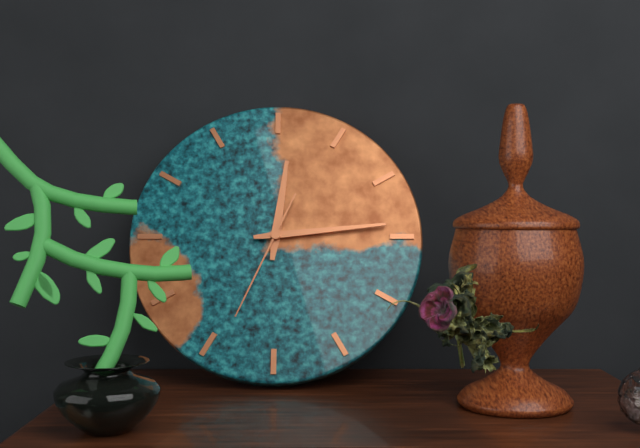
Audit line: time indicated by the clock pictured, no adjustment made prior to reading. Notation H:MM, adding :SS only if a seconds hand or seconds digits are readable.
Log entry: 12:14:34
